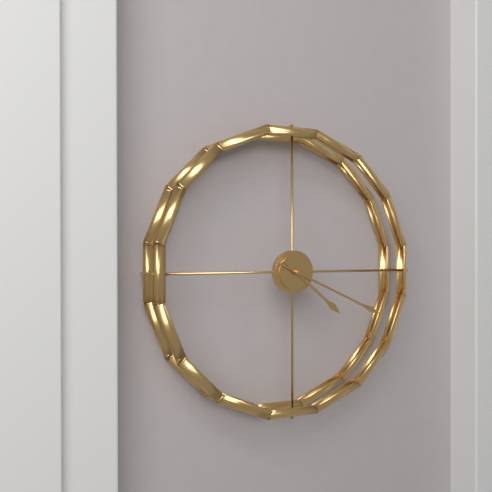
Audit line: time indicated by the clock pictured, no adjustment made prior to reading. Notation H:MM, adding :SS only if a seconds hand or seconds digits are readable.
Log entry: 4:19
